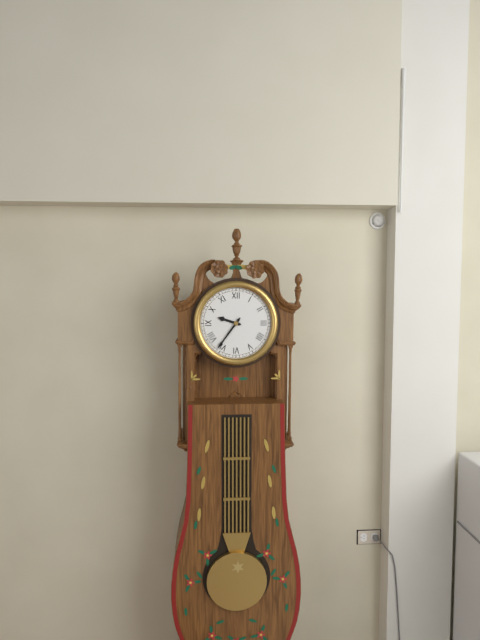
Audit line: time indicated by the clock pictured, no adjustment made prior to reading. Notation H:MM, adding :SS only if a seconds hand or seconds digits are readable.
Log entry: 9:36
